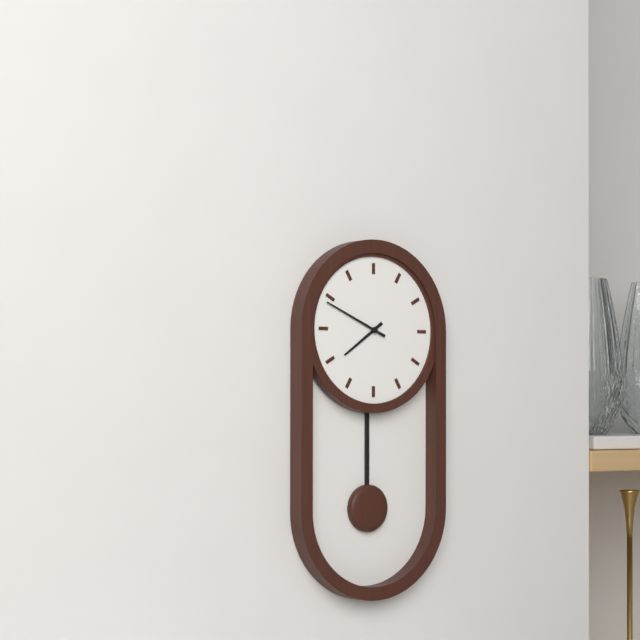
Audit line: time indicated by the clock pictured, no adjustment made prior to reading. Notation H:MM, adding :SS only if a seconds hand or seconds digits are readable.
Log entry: 7:49
